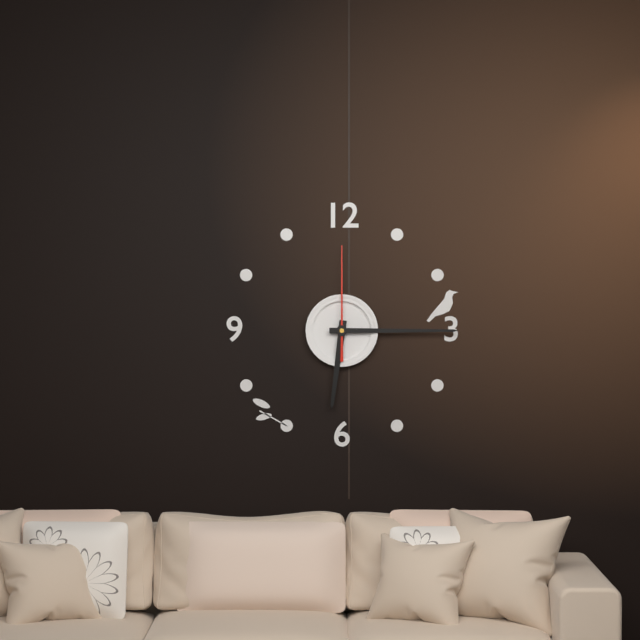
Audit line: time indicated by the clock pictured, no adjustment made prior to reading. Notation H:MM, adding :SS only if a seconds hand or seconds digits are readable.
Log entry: 6:15:00
